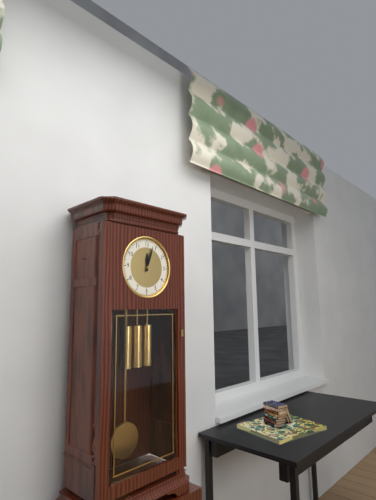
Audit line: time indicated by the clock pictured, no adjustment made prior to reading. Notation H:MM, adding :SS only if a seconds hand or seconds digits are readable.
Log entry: 12:03
